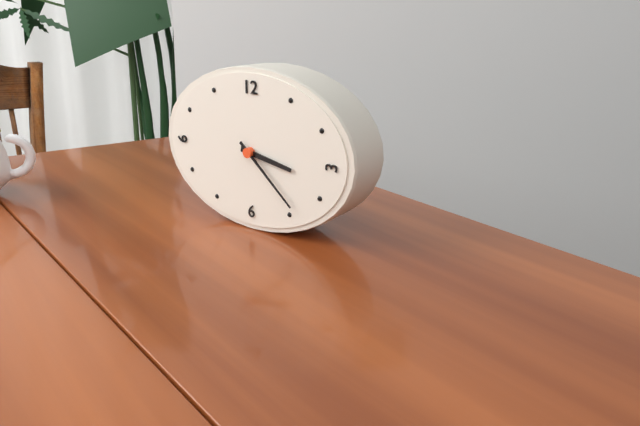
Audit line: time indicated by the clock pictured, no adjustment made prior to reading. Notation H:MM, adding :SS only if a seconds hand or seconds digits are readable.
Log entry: 3:22
